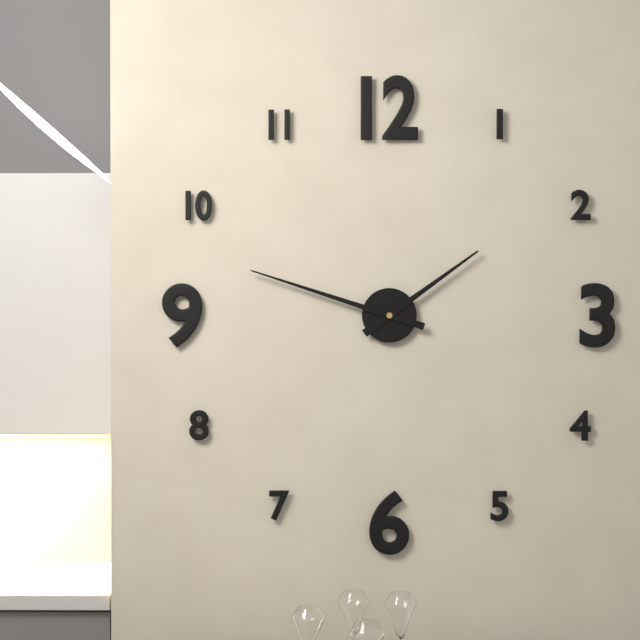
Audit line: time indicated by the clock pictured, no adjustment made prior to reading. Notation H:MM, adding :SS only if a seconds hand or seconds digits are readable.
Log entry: 1:48
